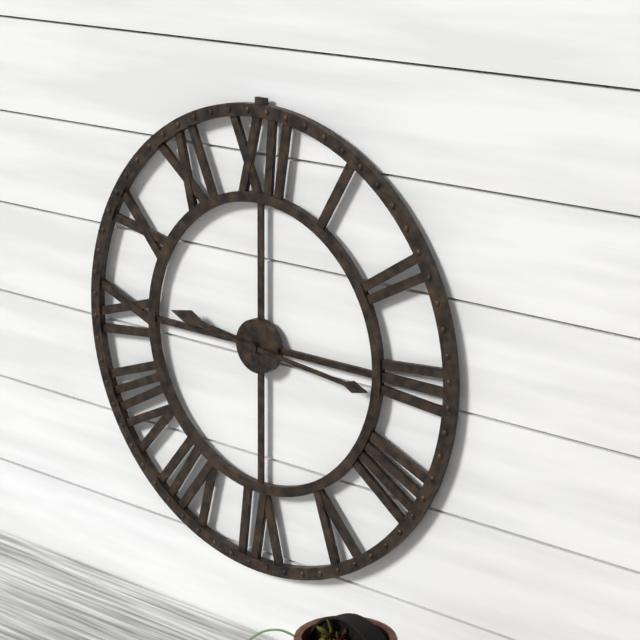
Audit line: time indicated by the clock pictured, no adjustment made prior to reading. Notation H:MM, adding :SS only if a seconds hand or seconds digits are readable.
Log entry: 9:16
